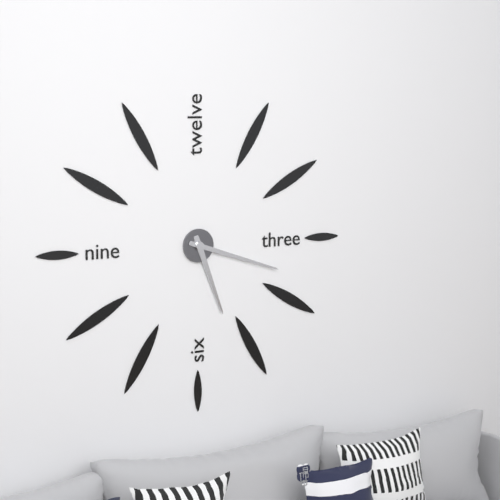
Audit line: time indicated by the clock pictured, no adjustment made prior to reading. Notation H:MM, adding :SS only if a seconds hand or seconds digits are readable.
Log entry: 5:18
